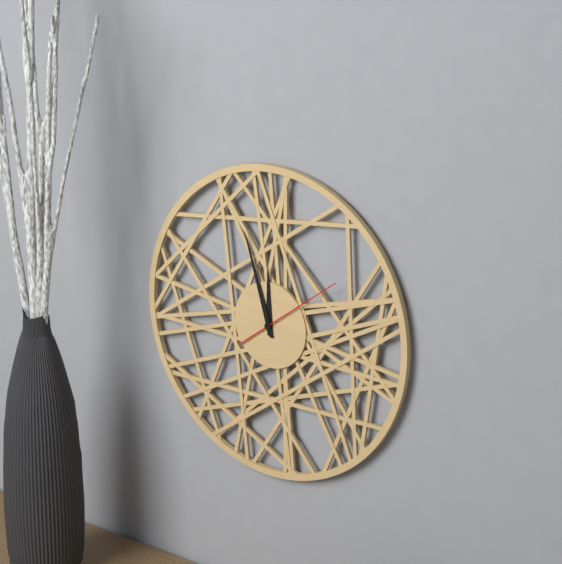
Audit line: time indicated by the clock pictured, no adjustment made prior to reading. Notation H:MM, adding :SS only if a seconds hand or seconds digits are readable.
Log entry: 11:57:09
